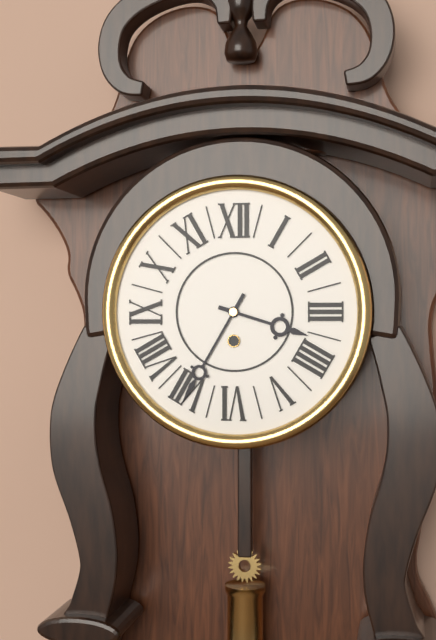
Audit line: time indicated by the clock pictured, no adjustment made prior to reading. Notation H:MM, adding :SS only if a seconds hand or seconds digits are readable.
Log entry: 3:35
